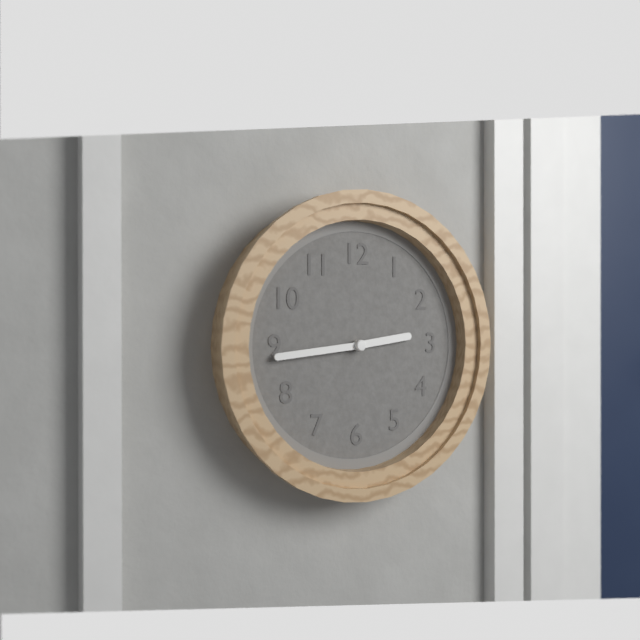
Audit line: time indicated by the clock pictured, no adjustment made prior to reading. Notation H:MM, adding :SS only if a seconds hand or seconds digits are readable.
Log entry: 2:44
